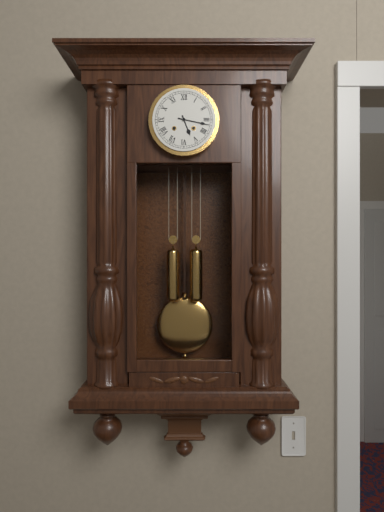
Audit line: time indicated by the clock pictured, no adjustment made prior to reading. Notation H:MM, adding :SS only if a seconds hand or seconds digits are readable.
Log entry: 5:17
